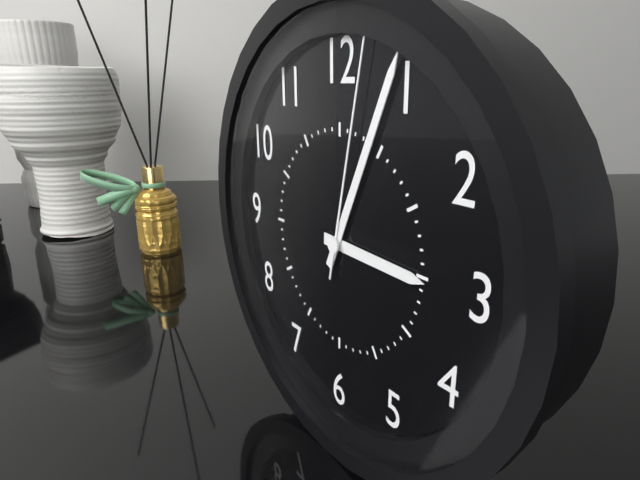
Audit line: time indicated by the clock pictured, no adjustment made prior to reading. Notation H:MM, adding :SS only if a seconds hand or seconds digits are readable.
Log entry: 3:04:02
